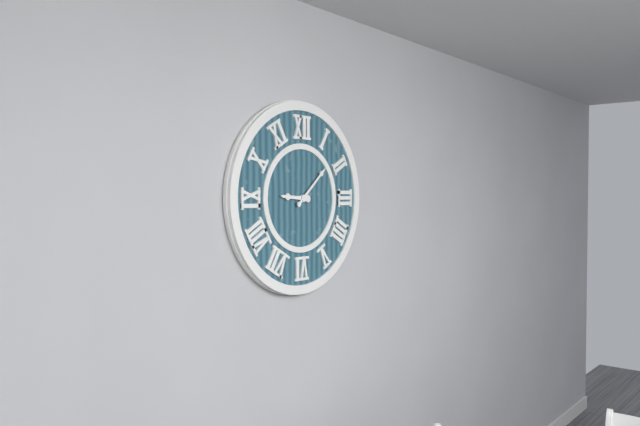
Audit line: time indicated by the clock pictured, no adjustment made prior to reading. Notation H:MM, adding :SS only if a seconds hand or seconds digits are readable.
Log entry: 9:08
